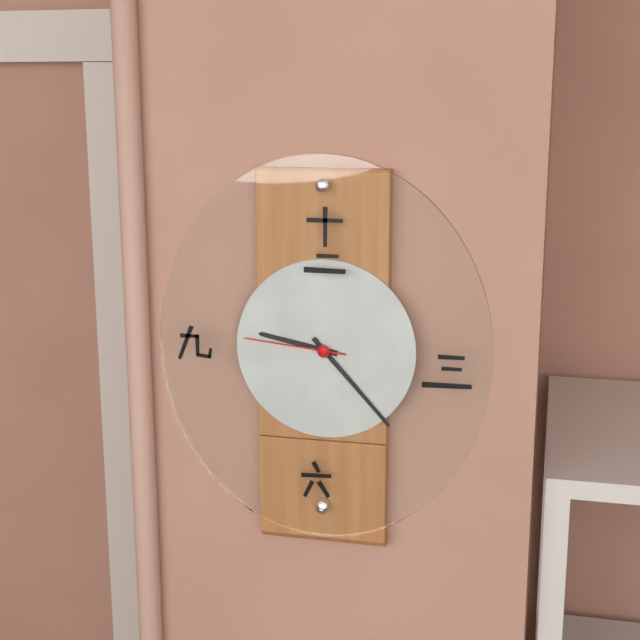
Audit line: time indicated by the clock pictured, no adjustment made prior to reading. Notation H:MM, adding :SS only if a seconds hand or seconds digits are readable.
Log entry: 9:23:46
